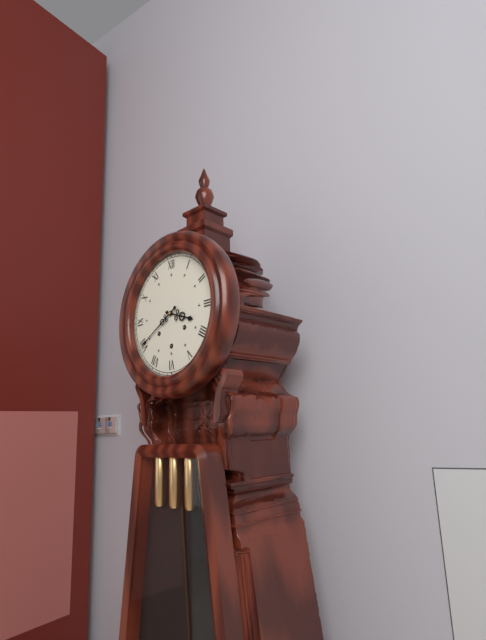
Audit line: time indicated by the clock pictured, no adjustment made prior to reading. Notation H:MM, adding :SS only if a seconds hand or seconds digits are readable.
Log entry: 3:40
